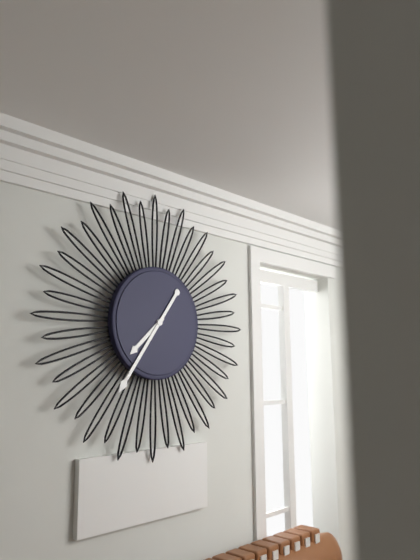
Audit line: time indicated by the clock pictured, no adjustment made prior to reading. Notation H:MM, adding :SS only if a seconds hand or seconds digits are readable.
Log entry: 7:36
